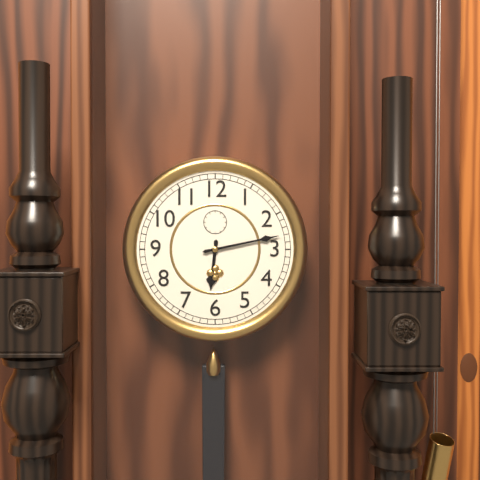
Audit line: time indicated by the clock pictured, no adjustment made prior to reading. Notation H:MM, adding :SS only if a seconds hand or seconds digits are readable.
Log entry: 6:13
